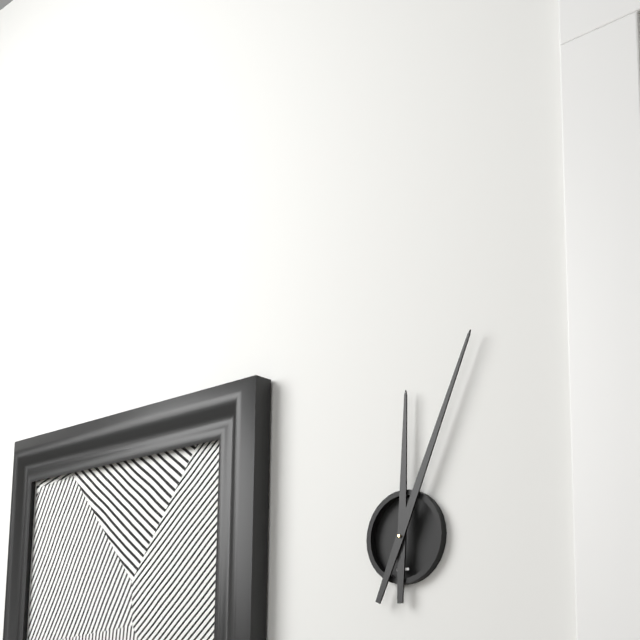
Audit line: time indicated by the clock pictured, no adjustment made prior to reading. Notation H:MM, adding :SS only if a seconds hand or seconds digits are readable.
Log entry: 12:04
